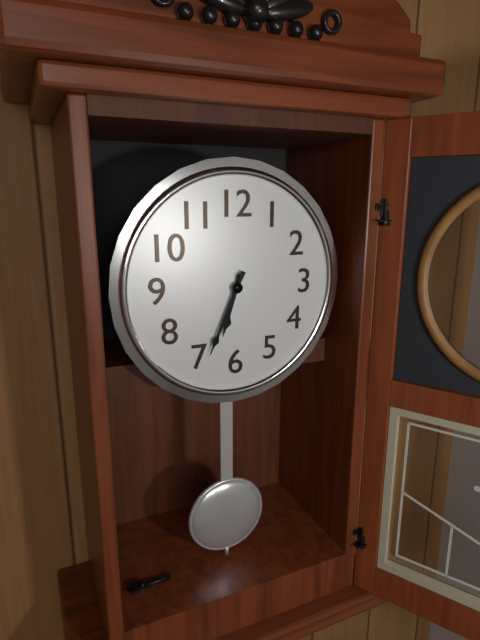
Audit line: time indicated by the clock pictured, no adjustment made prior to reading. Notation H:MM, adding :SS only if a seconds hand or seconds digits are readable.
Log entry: 6:34
